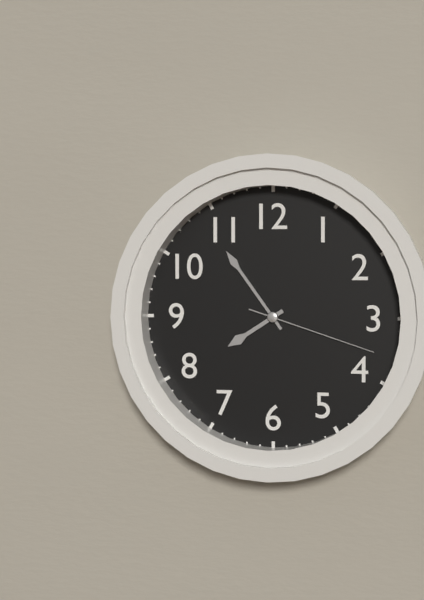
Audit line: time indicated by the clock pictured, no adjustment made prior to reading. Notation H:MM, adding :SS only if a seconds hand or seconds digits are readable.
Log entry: 7:54:18
